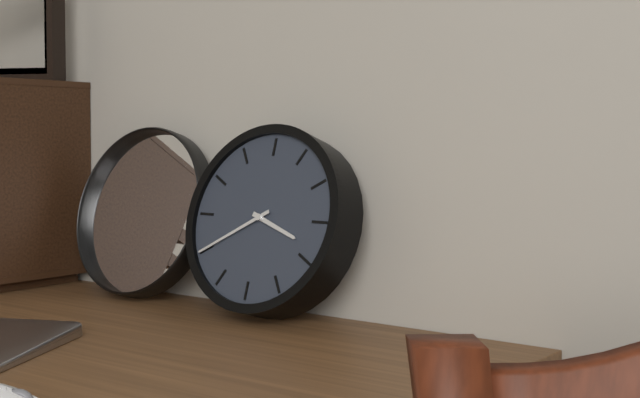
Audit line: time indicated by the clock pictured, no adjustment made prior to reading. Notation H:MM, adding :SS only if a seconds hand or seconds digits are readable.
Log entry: 3:40
